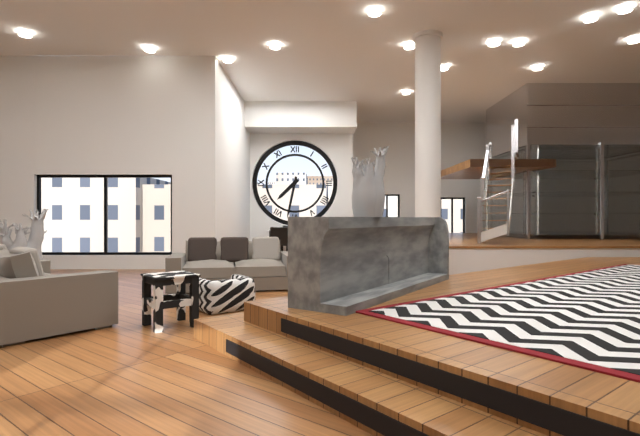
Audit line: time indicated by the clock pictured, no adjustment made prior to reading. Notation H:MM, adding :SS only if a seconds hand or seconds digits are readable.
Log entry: 7:32
